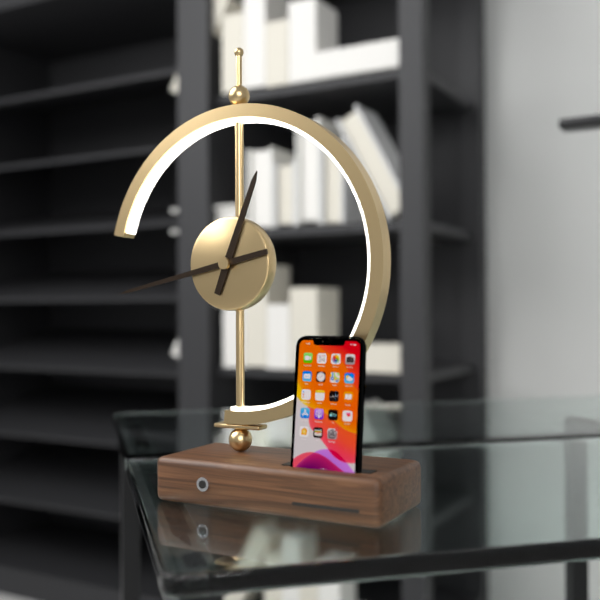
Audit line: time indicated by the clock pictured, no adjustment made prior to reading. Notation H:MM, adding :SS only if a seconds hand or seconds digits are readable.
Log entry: 12:43
